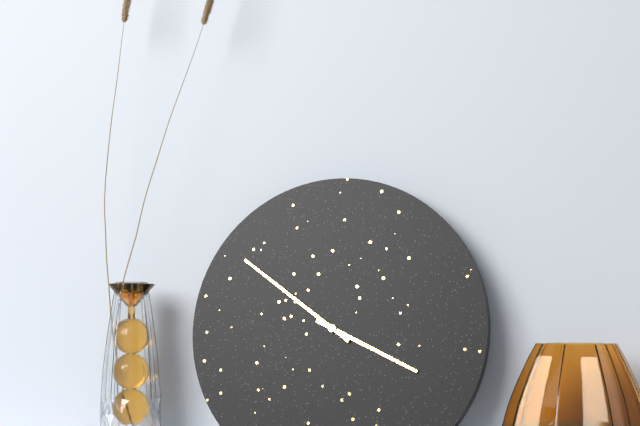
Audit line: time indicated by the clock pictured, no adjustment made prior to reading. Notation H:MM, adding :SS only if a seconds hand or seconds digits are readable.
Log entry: 3:51
